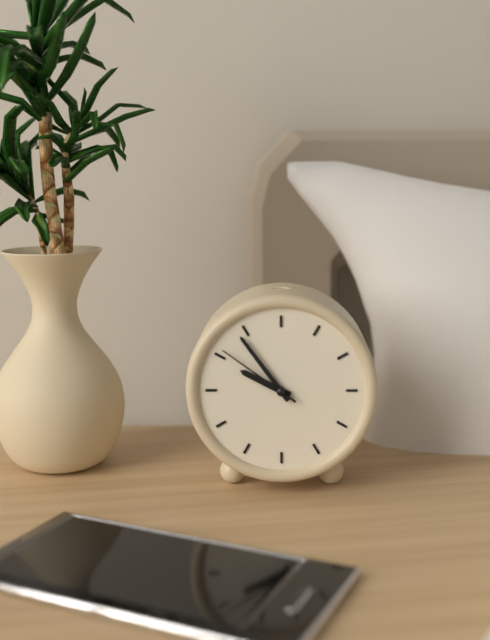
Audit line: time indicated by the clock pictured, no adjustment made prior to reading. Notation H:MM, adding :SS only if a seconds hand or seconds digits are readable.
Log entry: 9:54:51
